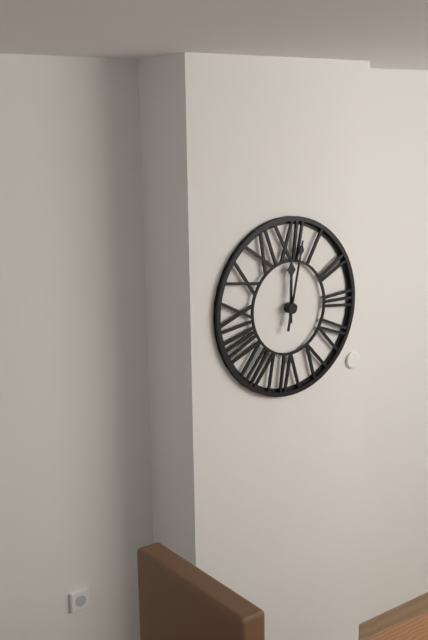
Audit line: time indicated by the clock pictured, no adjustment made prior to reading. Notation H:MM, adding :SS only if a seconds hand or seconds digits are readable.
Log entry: 12:02
